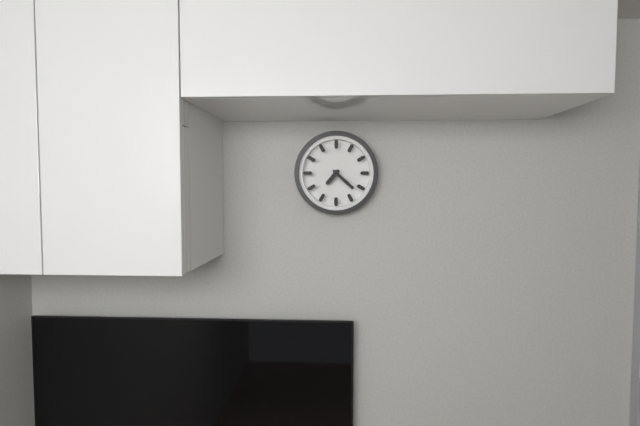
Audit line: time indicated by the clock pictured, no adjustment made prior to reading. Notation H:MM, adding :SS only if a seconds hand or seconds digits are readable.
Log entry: 7:22
